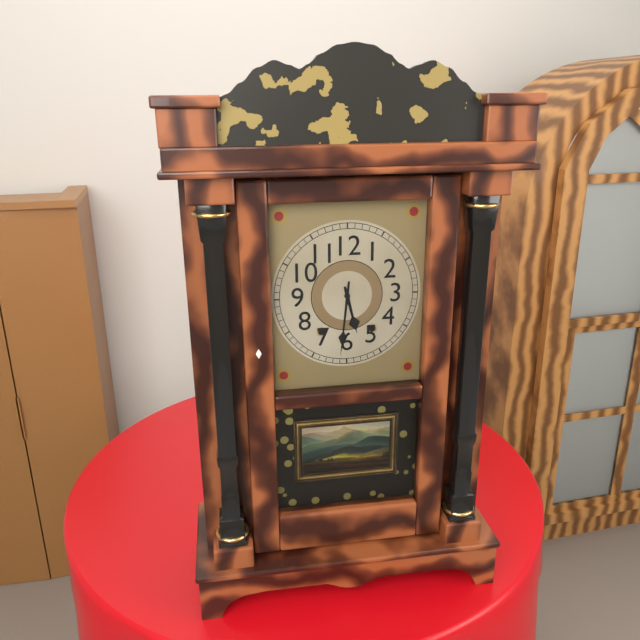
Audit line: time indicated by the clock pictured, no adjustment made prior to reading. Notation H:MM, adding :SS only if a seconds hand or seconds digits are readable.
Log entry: 5:31
